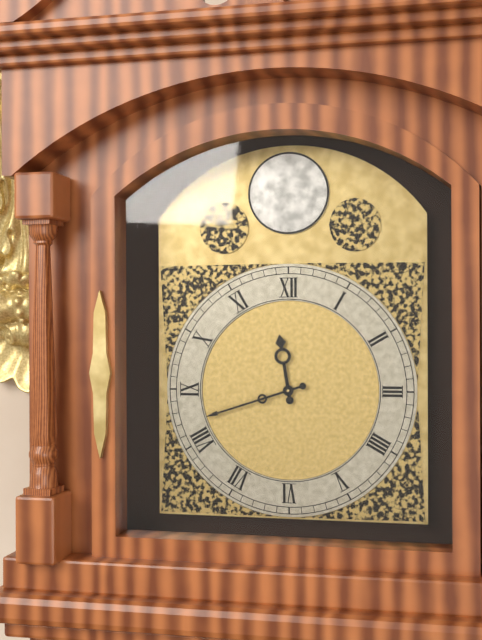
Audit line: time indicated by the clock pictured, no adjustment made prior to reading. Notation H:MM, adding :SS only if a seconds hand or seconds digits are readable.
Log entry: 11:42
